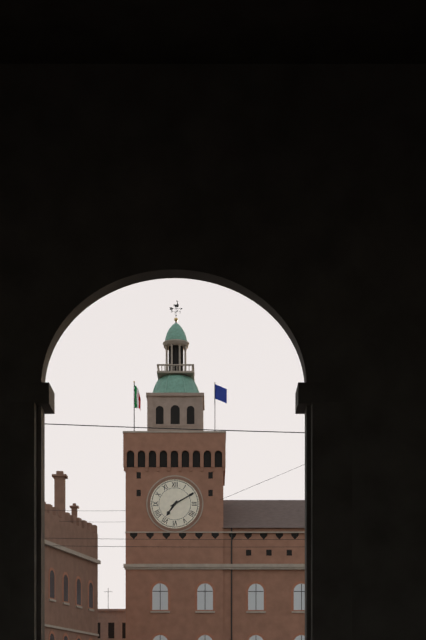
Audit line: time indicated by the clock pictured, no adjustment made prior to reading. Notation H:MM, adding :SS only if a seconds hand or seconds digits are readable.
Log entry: 7:10
